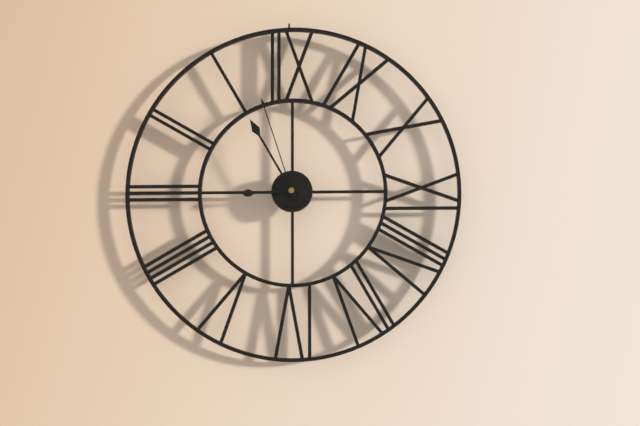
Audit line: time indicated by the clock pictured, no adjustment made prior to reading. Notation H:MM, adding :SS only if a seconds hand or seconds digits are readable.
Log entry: 8:55:57
